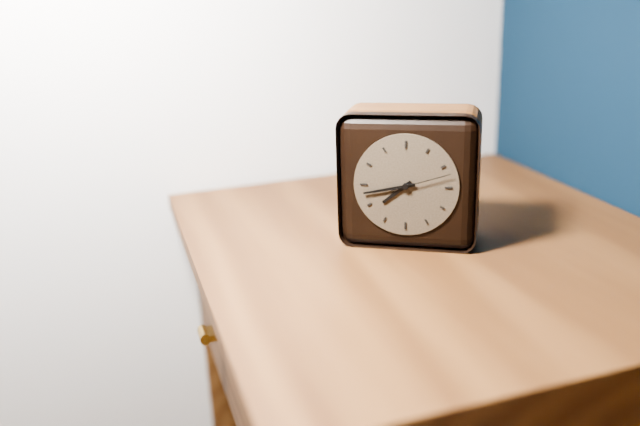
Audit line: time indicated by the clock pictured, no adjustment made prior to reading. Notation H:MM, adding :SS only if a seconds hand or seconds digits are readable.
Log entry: 7:43:12
